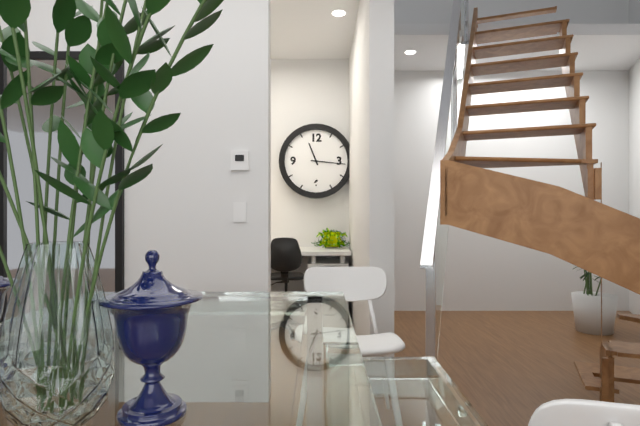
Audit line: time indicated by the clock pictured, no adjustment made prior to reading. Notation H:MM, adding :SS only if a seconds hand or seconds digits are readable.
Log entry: 11:16
